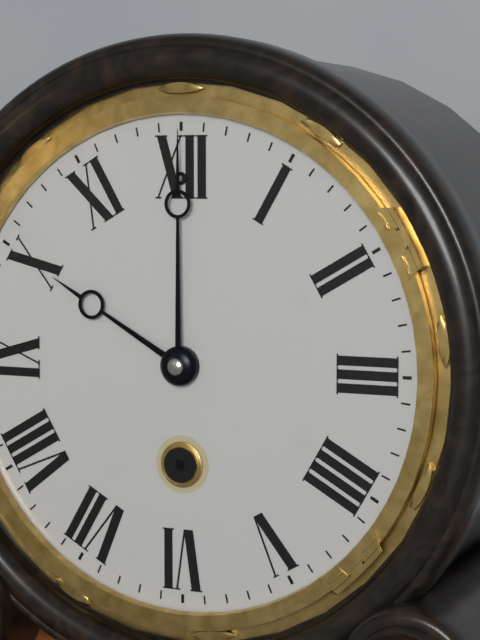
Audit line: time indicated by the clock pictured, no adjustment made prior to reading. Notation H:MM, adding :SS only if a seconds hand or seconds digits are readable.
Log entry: 10:00
